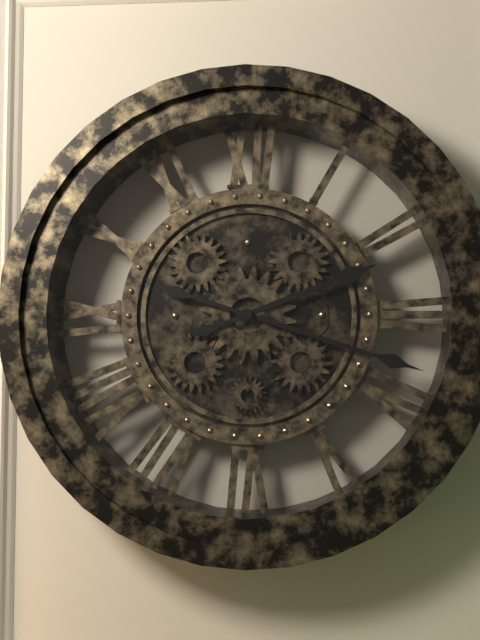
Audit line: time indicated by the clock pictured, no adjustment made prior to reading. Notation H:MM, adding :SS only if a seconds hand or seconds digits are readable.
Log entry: 2:18
